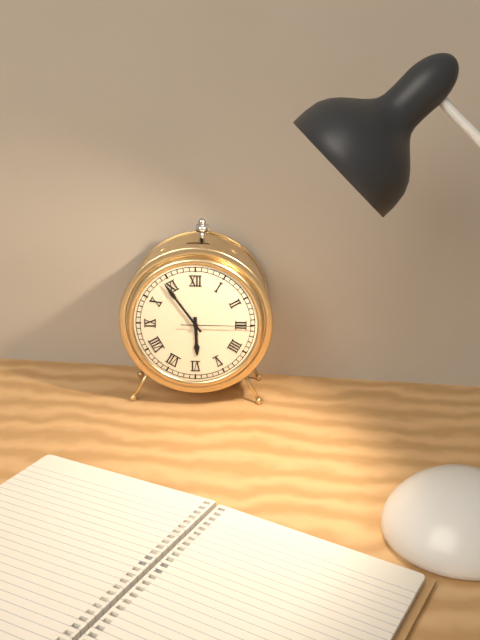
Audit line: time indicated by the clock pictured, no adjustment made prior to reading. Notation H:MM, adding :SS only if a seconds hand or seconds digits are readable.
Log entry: 5:54:15
